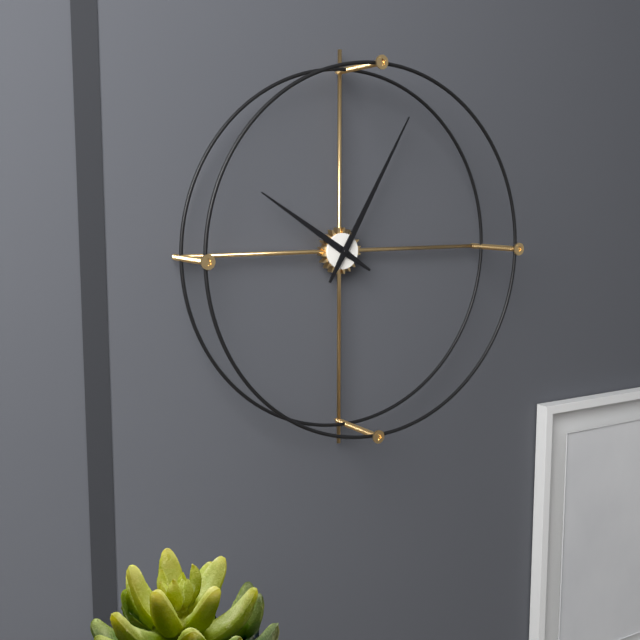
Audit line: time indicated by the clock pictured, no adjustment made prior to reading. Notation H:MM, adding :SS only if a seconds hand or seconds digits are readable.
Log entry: 10:05
